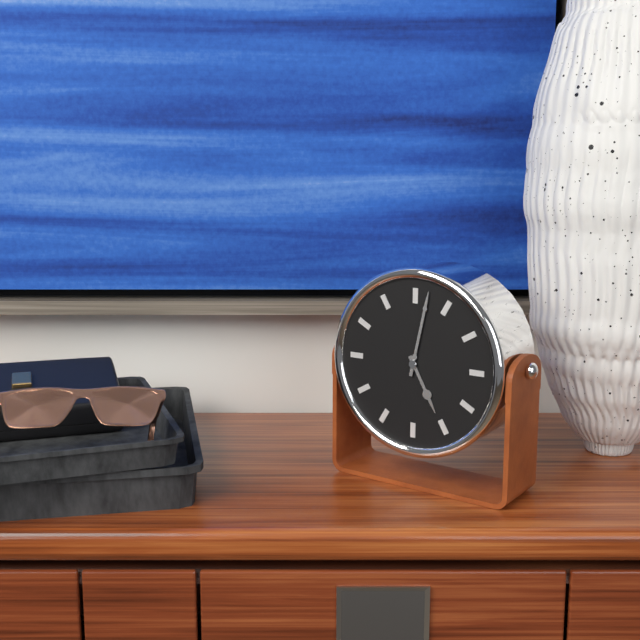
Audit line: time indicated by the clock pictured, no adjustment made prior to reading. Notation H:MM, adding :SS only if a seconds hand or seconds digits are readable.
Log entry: 5:02
